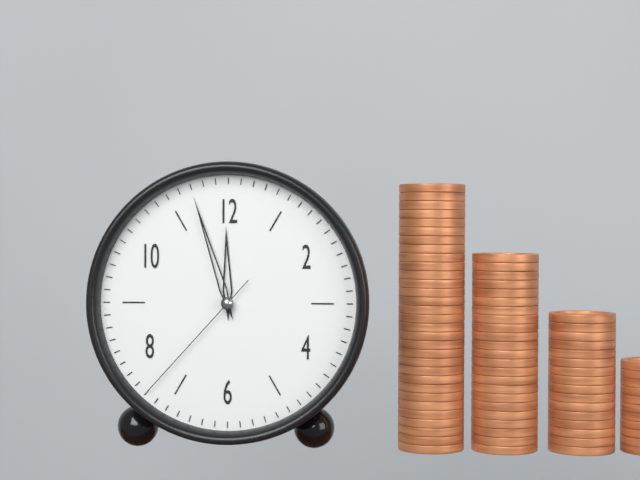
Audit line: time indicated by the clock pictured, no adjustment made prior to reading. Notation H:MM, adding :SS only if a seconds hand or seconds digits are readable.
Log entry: 11:57:37
